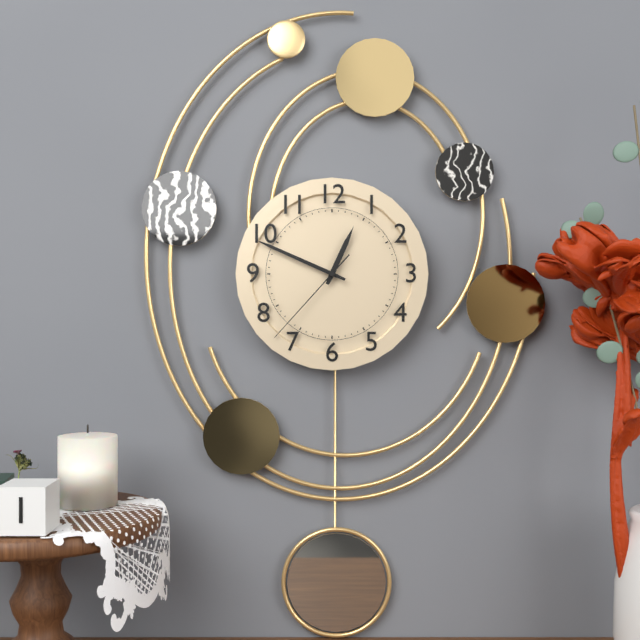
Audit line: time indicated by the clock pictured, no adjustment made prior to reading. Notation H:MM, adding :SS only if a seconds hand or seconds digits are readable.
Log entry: 12:49:37
